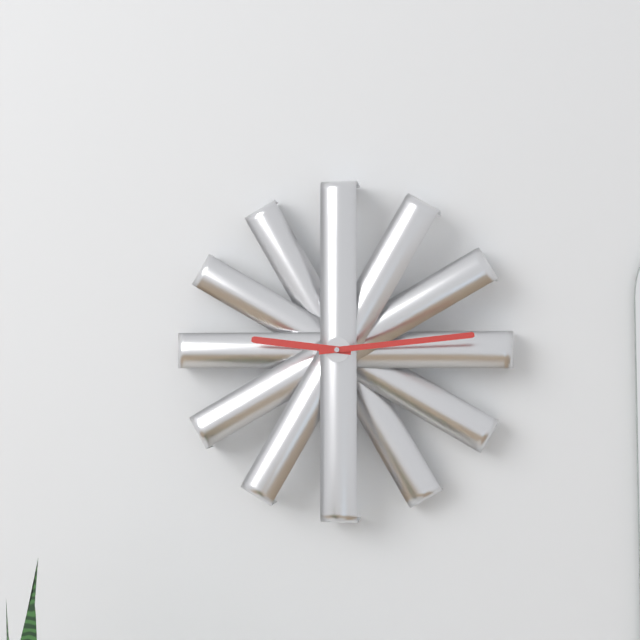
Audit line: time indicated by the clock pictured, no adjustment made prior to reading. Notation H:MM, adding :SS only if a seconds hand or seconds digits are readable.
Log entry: 9:14
